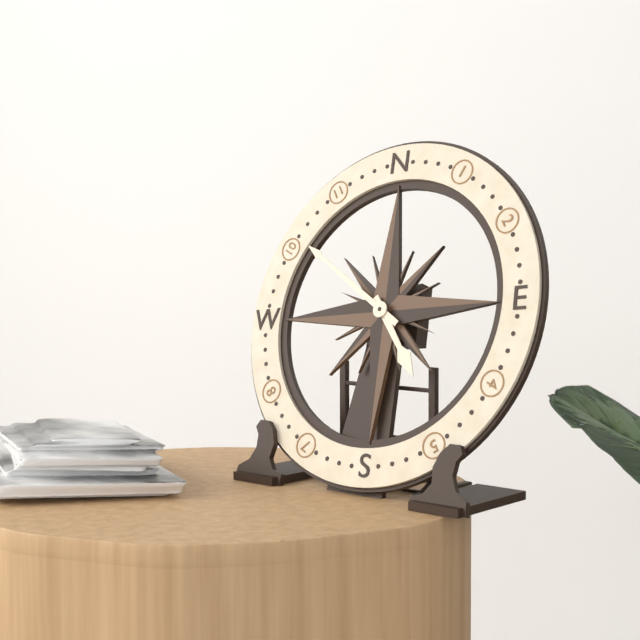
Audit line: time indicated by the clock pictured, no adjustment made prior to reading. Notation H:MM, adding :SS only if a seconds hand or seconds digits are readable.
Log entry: 4:51
